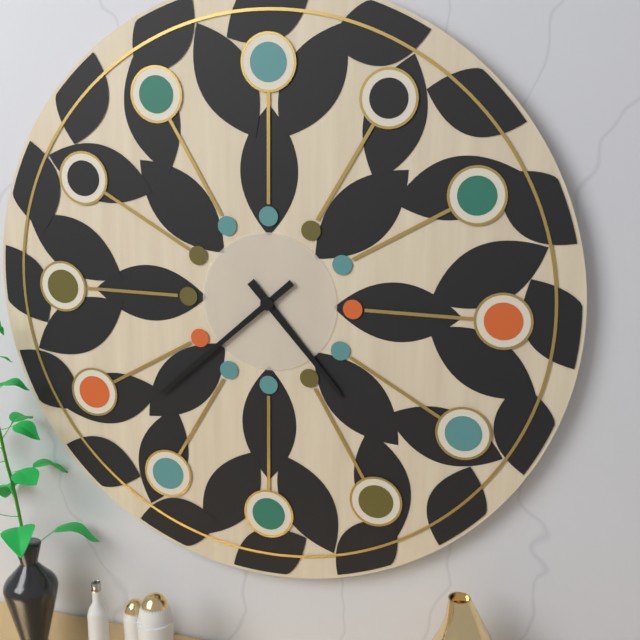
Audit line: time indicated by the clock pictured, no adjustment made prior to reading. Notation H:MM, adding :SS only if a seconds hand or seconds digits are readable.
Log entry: 4:38
